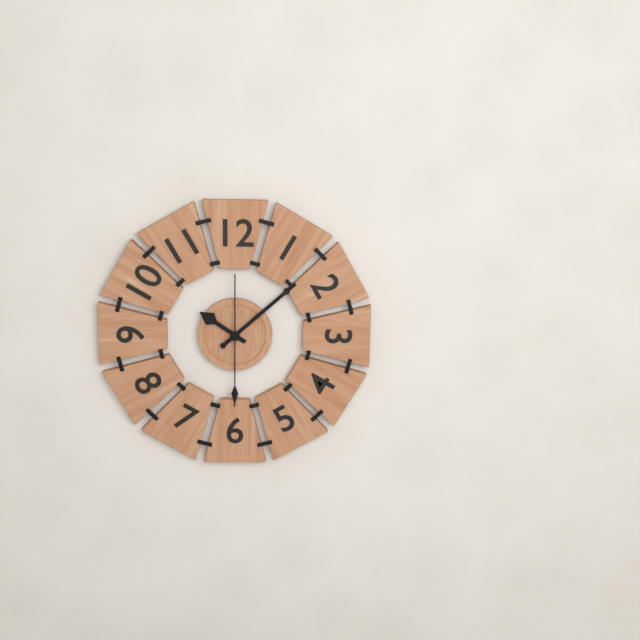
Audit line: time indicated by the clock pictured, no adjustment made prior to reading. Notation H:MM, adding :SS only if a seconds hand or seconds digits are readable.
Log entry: 10:08:30
